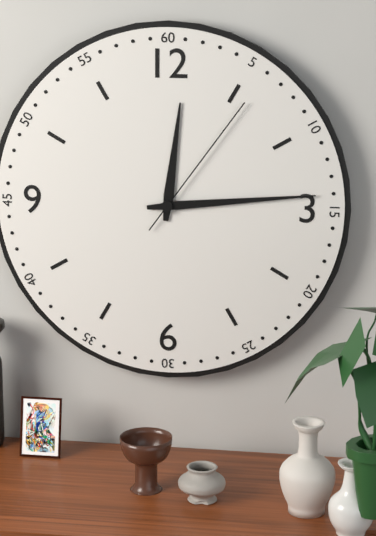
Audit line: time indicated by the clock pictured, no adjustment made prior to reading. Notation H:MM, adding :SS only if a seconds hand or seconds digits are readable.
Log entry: 12:14:06
